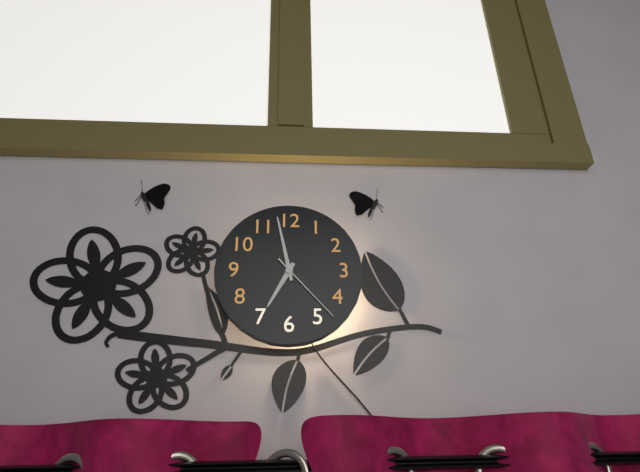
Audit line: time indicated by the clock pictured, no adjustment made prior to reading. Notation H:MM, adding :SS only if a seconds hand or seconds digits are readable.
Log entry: 6:58:23
